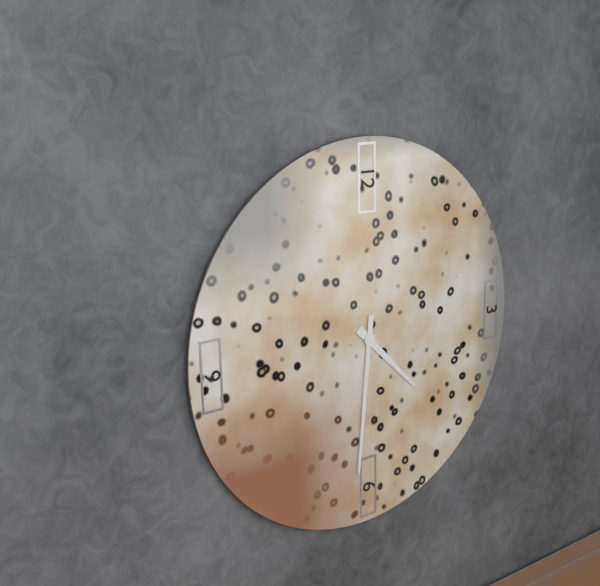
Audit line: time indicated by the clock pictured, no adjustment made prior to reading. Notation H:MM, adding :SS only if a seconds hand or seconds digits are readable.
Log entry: 4:31
